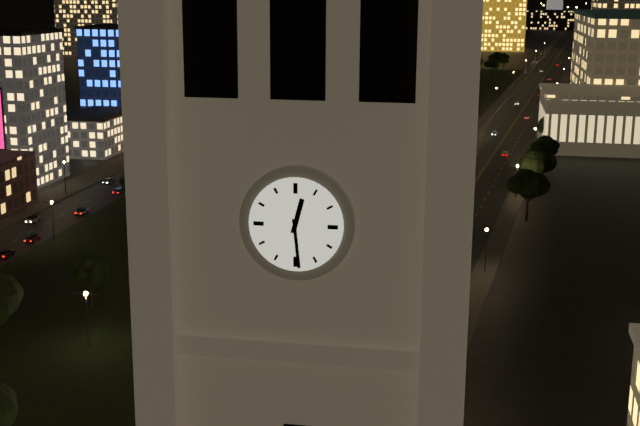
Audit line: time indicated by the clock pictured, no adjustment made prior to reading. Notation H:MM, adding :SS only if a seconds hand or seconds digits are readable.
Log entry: 12:29
